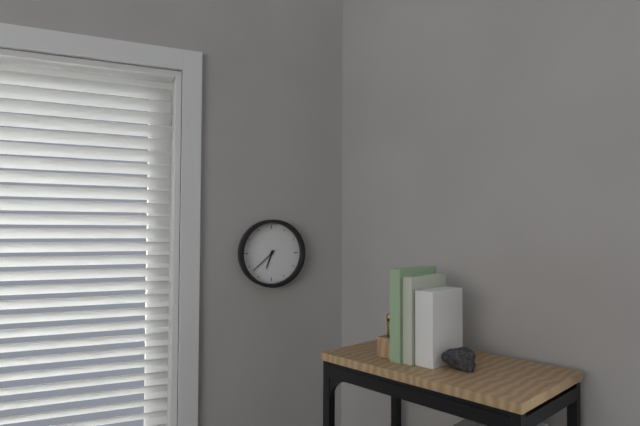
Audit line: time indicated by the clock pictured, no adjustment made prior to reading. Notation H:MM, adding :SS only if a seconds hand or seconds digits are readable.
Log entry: 6:38
